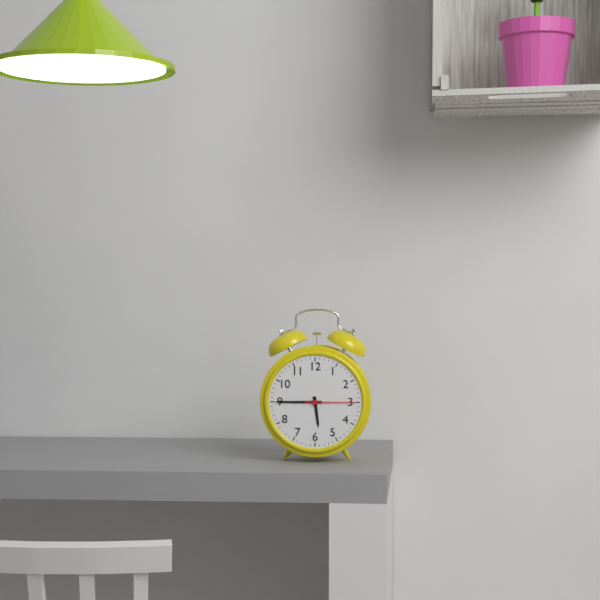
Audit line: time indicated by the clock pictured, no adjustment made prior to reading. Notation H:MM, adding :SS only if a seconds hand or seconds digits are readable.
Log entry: 5:45:15
